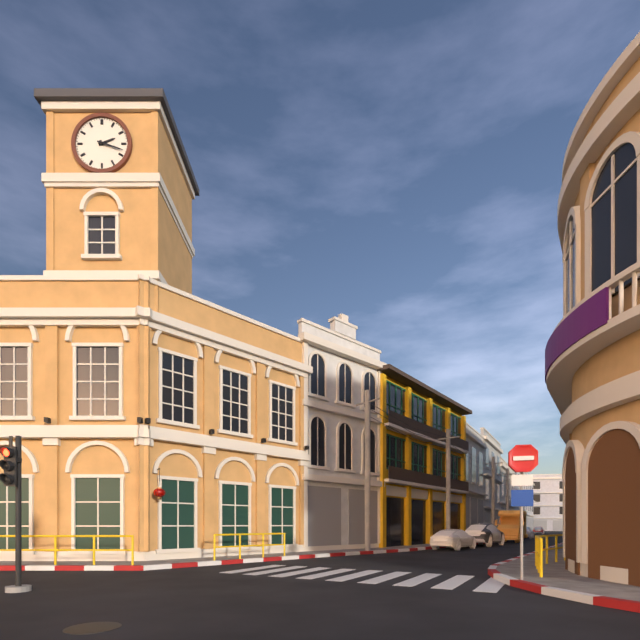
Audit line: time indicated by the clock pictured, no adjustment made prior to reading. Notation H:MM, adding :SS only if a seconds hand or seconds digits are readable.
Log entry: 2:18
